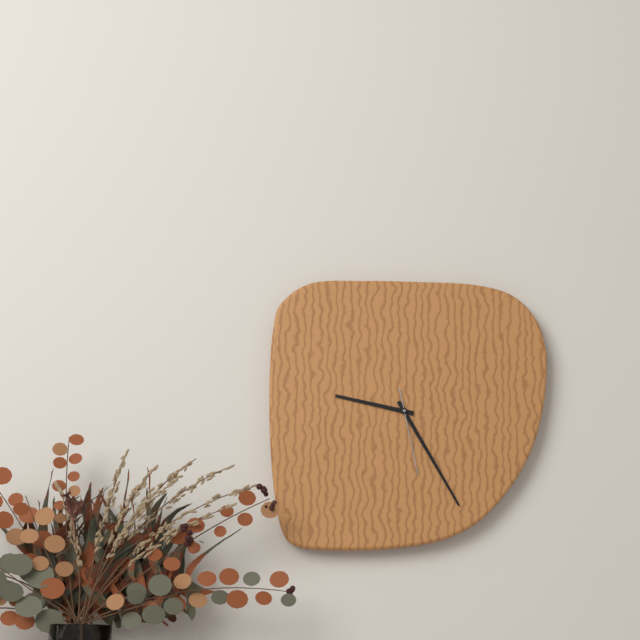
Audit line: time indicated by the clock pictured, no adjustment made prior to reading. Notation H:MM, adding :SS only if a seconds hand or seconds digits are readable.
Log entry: 9:25:28
